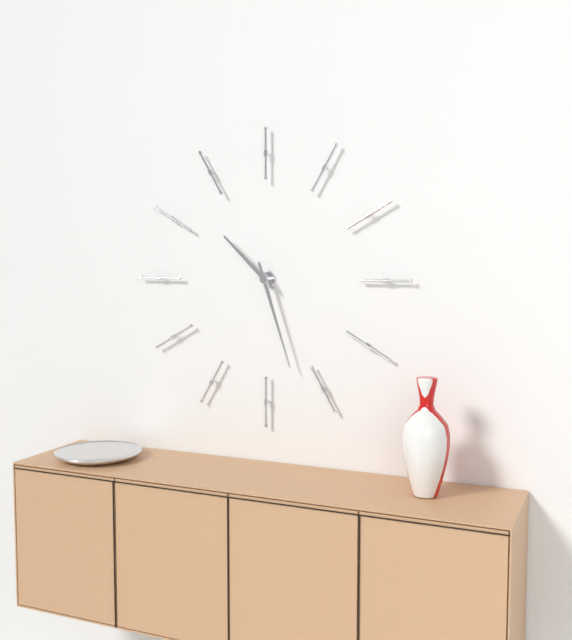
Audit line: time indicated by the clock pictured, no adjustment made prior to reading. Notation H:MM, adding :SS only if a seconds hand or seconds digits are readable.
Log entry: 10:27
